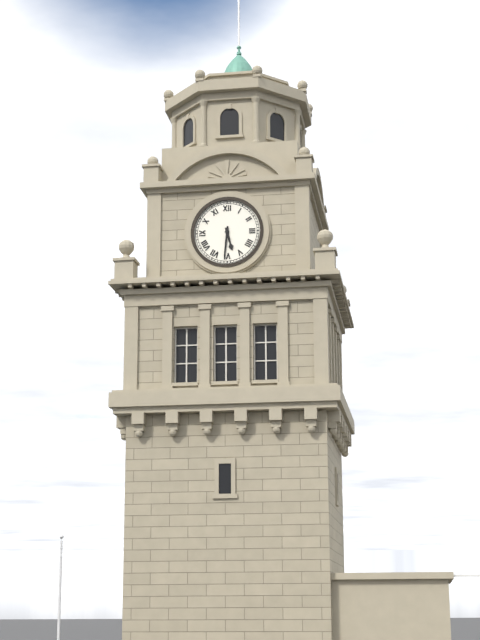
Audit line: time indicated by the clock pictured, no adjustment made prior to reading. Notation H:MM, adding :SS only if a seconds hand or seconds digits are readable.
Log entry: 5:31
